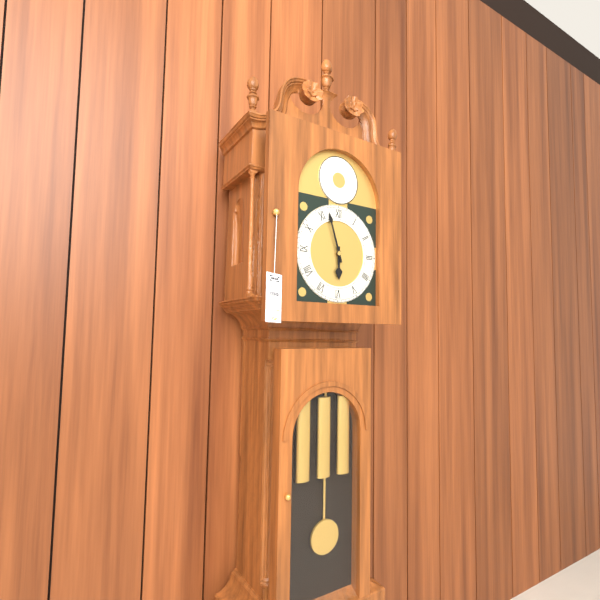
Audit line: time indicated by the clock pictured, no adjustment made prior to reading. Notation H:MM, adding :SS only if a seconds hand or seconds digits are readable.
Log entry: 5:57
